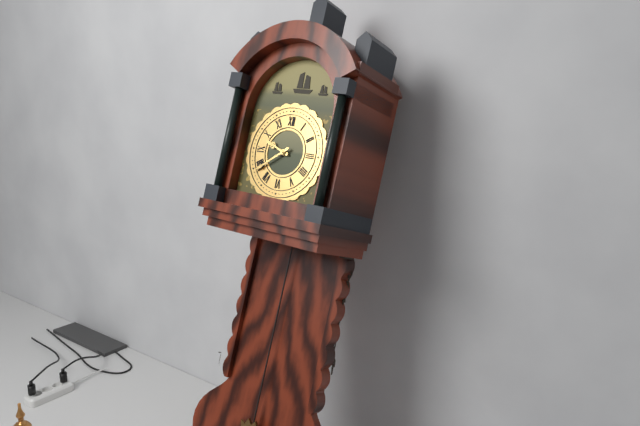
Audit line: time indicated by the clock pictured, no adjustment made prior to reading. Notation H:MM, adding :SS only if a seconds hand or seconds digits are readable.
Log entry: 9:39
